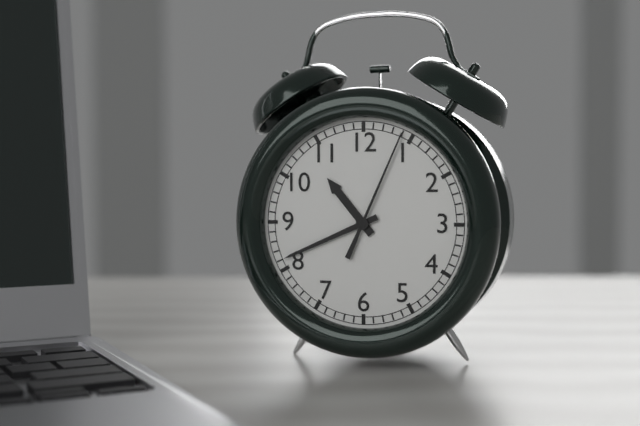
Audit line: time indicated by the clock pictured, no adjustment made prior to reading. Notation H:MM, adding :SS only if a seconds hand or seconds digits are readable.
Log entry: 10:41:04
